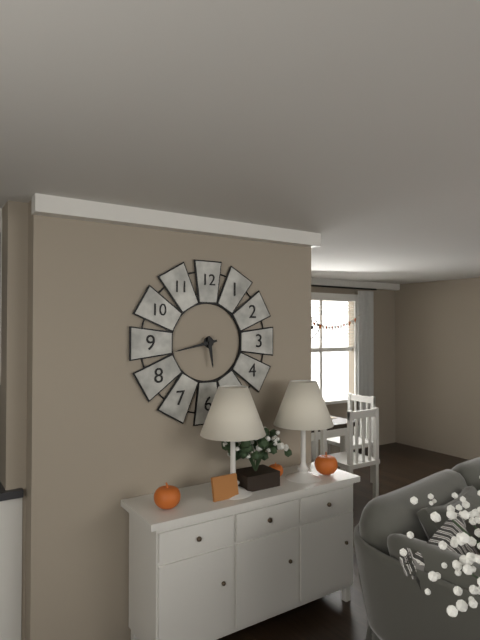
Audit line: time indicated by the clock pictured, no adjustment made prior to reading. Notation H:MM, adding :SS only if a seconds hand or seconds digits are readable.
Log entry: 5:43
